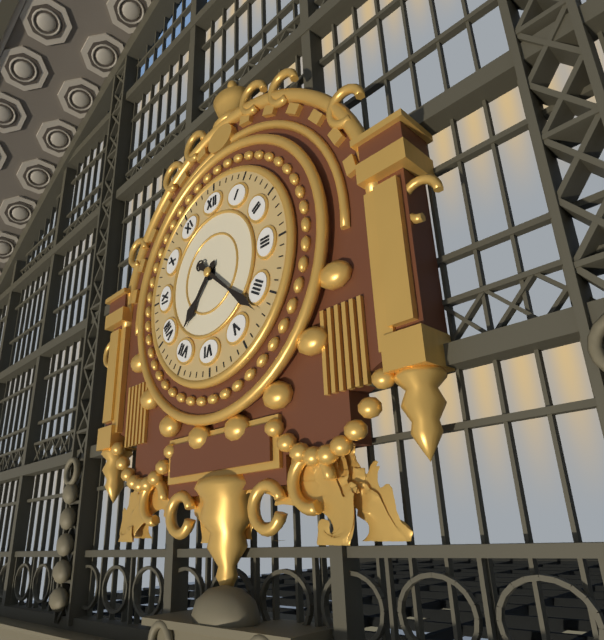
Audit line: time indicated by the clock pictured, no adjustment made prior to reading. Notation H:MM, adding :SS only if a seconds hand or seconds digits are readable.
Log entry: 7:22
